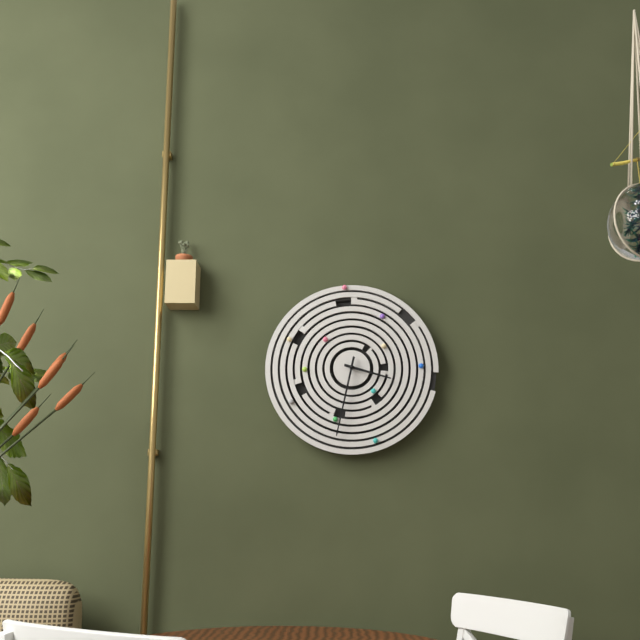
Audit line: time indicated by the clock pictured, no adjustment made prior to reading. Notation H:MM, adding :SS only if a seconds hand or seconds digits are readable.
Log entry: 3:32
